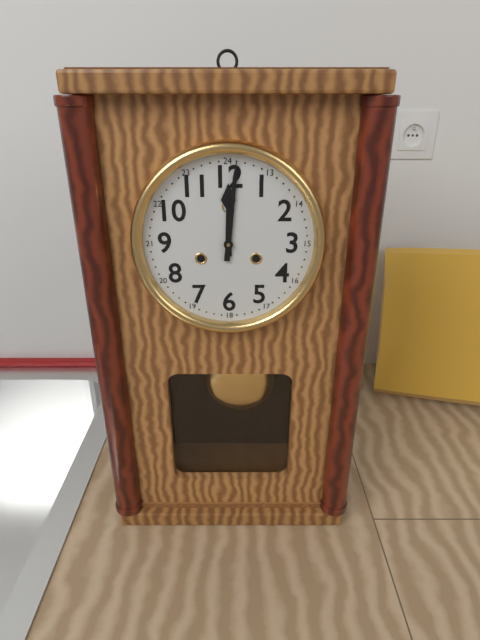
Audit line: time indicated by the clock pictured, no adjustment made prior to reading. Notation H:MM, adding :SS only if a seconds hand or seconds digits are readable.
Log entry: 12:01
